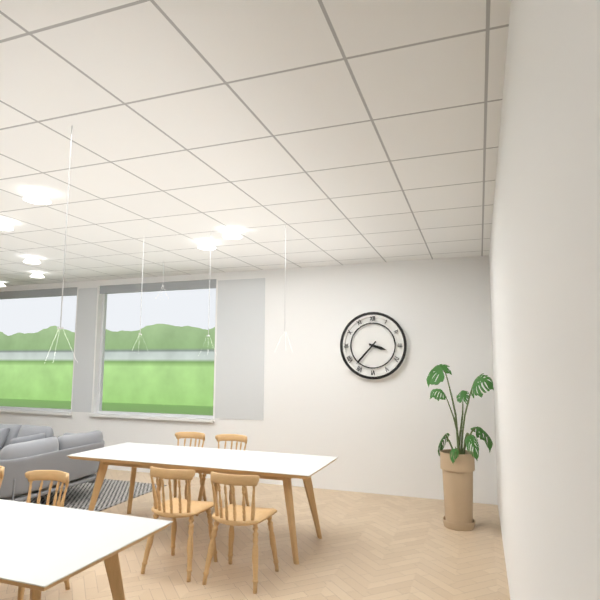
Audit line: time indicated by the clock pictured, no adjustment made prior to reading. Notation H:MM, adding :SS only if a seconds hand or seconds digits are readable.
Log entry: 3:37
